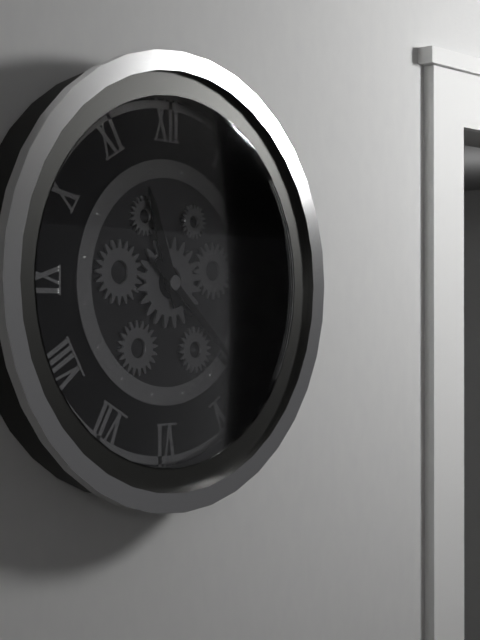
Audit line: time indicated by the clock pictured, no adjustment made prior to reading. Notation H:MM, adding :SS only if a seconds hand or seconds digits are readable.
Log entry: 11:22
